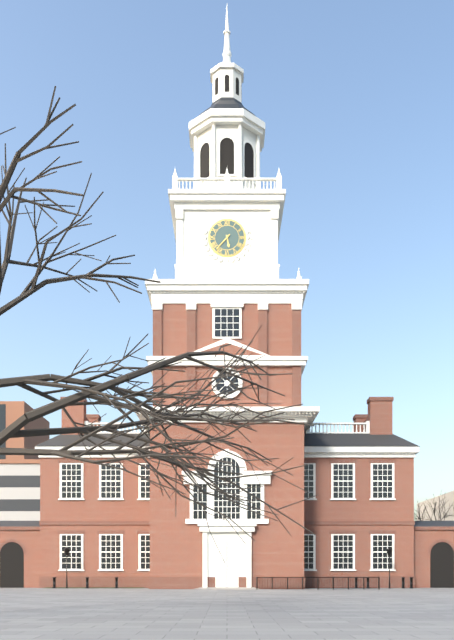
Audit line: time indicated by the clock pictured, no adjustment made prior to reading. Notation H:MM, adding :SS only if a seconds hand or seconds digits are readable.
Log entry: 5:37
